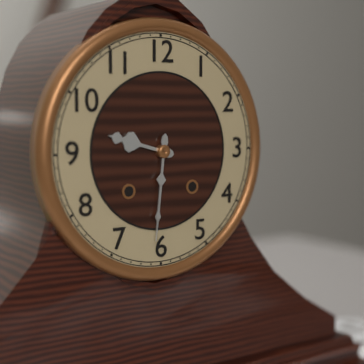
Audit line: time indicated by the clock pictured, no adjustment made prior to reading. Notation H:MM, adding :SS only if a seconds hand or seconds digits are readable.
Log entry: 9:31
